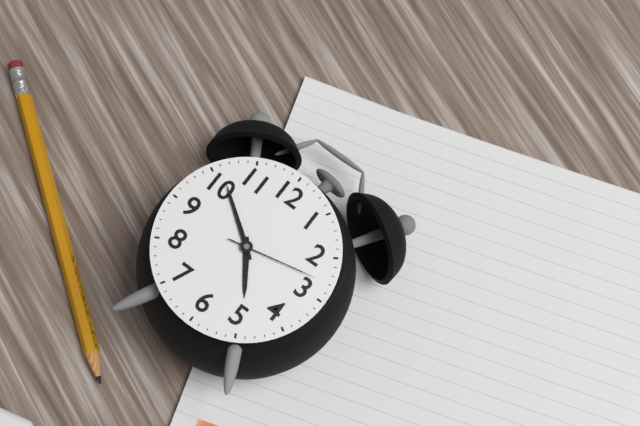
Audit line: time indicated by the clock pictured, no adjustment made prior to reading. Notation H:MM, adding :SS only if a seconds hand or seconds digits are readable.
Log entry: 4:51:13
